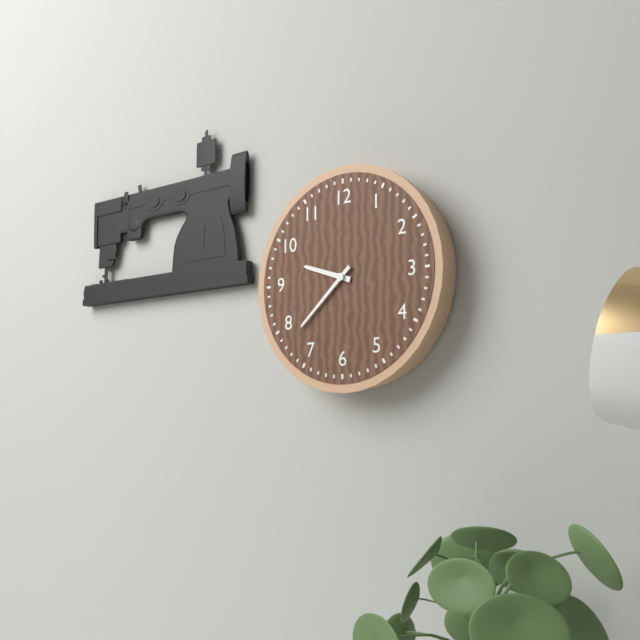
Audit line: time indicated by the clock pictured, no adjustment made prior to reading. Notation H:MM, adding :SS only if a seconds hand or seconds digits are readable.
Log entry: 9:38
